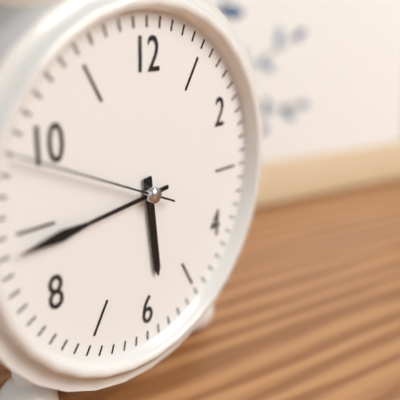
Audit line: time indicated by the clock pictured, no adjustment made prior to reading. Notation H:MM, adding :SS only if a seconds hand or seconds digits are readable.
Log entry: 5:44:49
